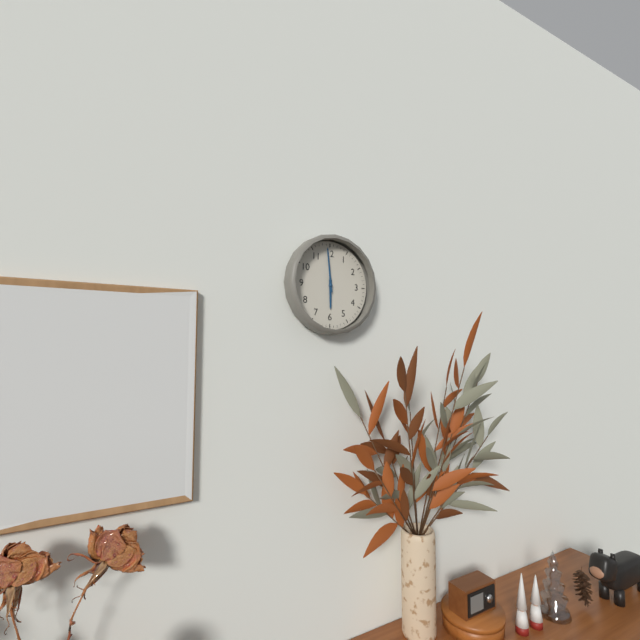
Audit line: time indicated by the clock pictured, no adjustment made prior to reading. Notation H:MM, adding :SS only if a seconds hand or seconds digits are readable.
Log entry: 5:59
